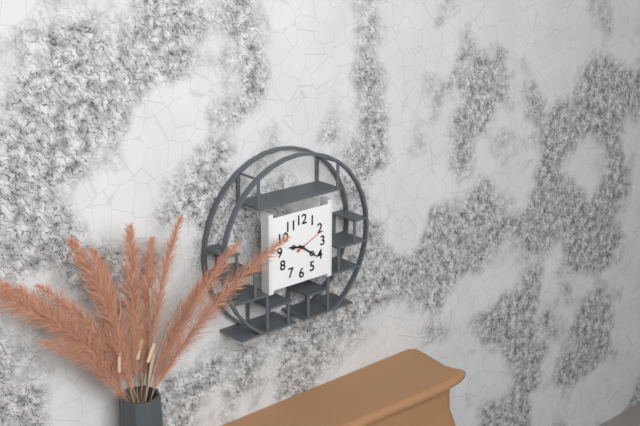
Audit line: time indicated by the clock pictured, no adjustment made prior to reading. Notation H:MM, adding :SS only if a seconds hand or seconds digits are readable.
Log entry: 9:21
